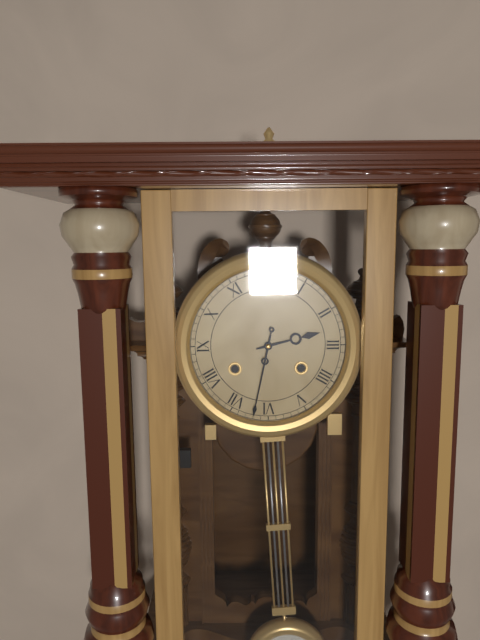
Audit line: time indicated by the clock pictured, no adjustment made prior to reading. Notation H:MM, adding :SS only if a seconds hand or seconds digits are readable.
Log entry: 2:32
